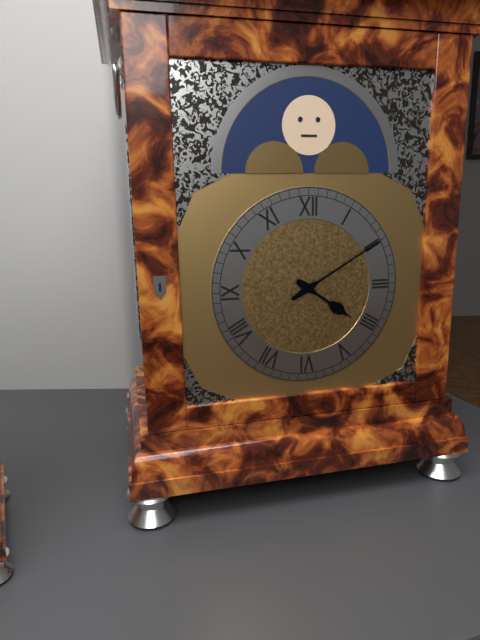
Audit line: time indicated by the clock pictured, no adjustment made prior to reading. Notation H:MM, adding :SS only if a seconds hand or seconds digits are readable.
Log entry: 4:10
